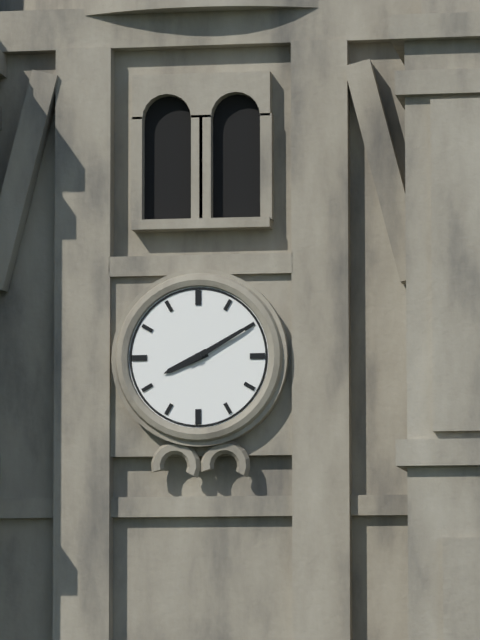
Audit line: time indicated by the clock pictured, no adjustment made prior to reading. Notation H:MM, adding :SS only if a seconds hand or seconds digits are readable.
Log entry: 8:10
